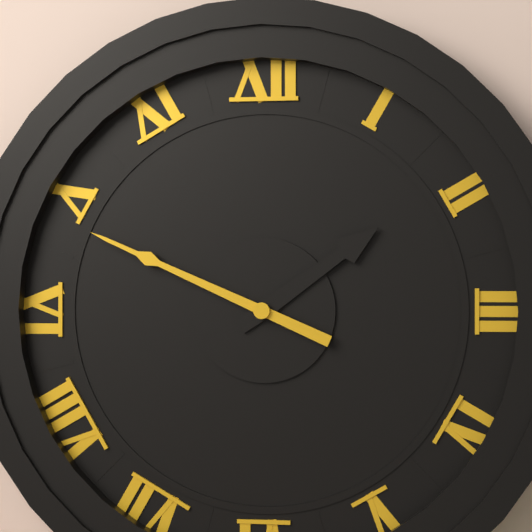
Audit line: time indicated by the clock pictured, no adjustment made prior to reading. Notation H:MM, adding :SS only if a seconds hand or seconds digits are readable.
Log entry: 1:49
